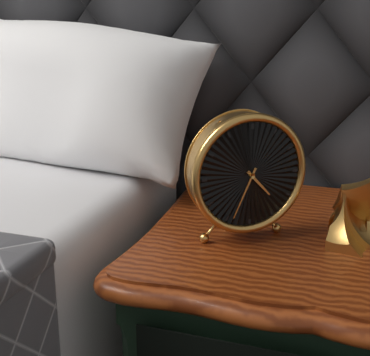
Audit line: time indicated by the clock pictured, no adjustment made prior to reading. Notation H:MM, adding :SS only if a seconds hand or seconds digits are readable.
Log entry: 4:34
